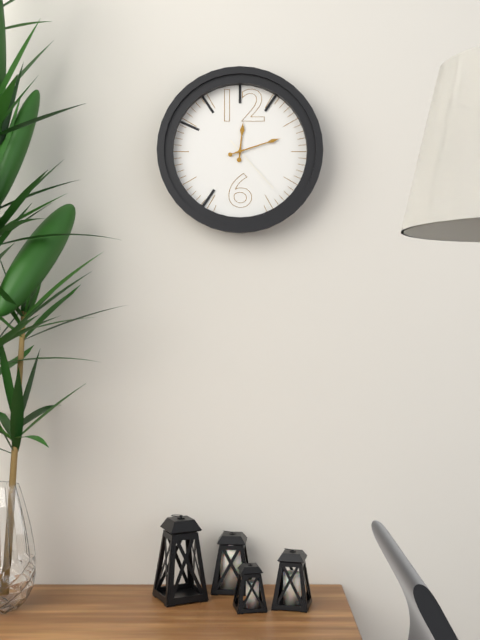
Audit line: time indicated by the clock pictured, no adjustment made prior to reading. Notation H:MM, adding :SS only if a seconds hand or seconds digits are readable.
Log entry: 12:12:23
